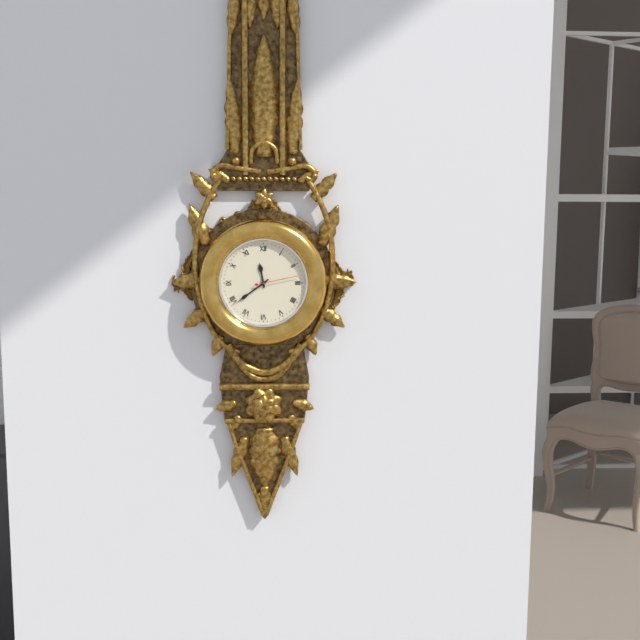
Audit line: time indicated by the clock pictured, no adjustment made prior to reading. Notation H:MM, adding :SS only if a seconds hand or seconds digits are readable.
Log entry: 11:39
